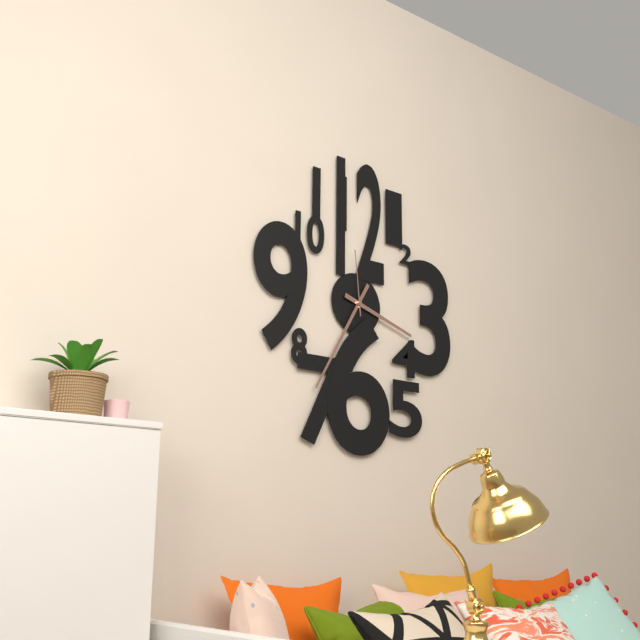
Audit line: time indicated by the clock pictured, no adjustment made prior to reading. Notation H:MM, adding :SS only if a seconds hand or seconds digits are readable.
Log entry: 3:35:59
